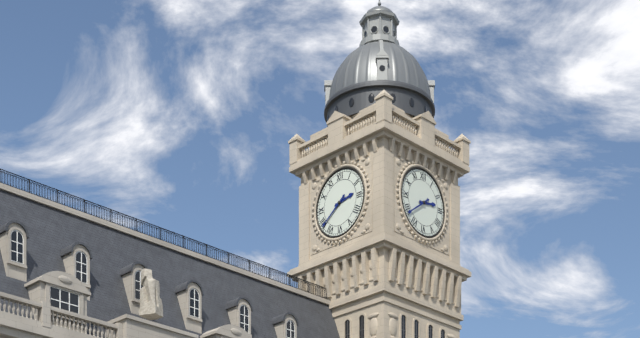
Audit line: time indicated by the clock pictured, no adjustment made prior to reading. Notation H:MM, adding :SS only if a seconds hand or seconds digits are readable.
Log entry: 2:39
